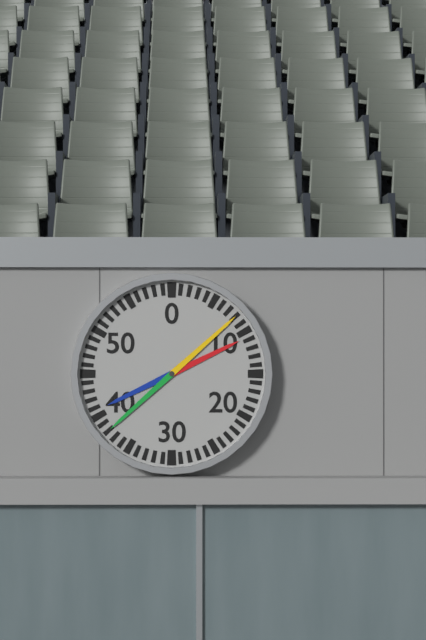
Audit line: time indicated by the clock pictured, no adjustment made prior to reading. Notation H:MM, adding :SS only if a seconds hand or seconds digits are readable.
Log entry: 2:08
